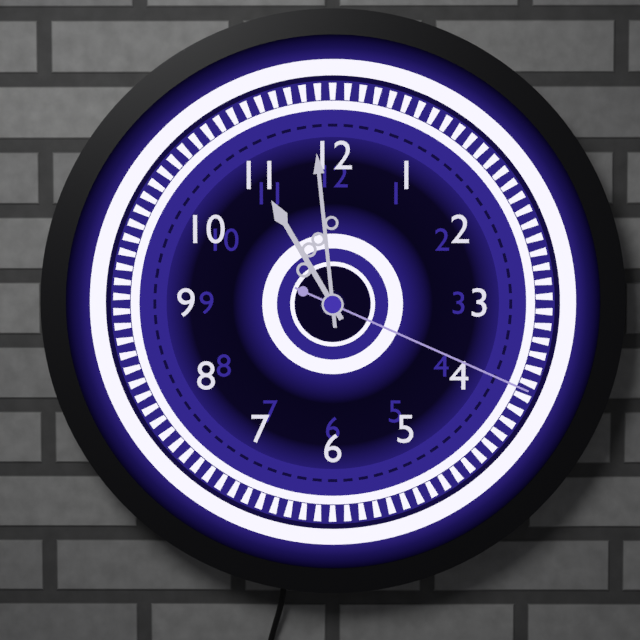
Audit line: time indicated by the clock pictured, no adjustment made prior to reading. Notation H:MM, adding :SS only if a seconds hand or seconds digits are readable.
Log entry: 10:59:19
